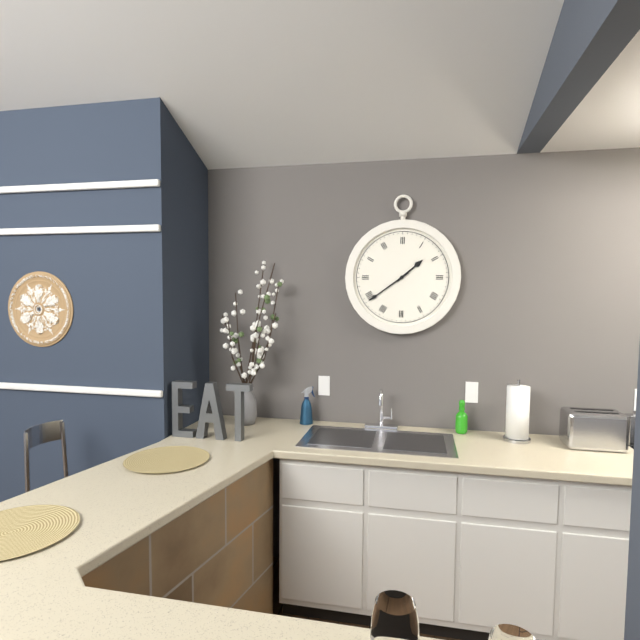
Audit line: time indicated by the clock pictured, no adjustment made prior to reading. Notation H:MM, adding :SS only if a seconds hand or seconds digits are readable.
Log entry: 1:39
